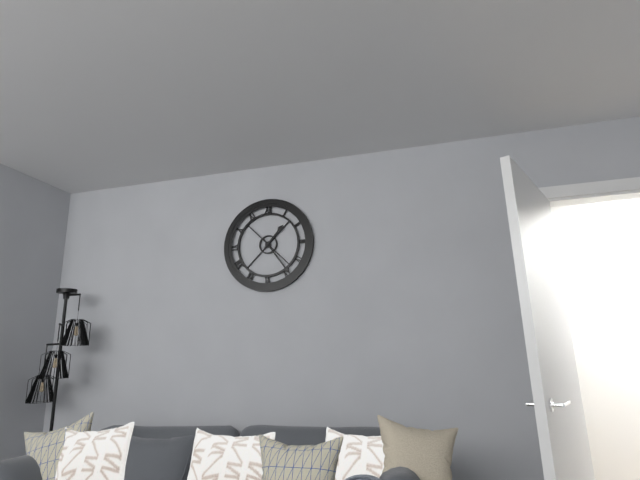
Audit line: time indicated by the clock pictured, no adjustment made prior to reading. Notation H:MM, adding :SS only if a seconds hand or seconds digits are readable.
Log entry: 1:24
